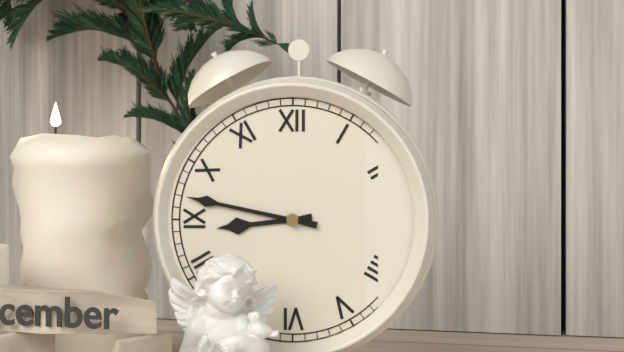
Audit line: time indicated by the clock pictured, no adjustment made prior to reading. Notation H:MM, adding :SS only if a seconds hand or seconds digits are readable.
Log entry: 8:47
